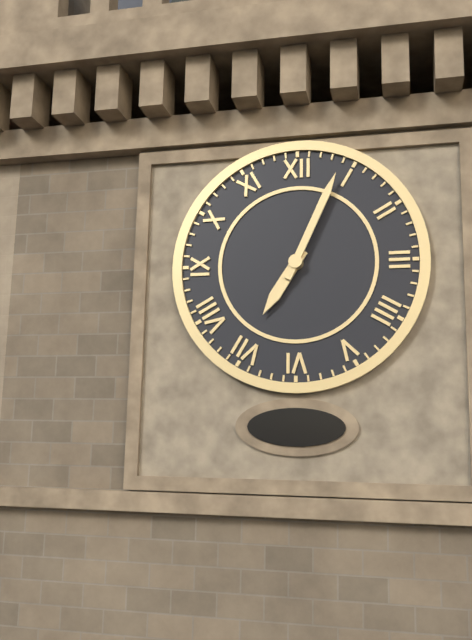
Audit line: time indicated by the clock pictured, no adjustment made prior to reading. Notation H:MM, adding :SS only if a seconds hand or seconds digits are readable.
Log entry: 7:04
